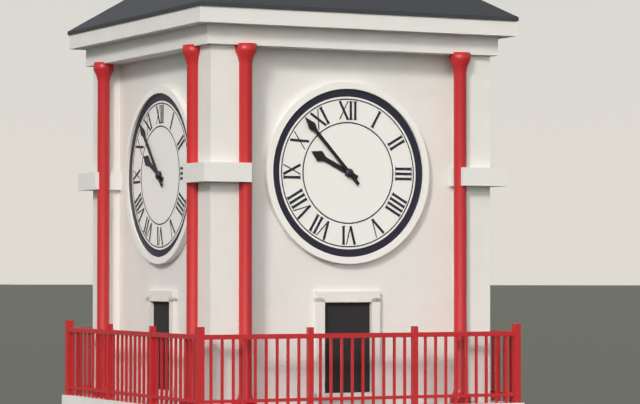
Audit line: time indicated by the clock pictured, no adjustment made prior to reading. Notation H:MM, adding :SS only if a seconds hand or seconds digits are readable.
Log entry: 9:53
